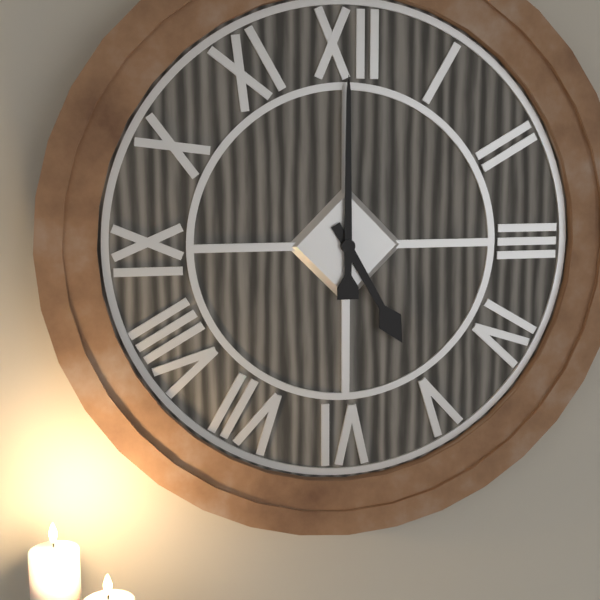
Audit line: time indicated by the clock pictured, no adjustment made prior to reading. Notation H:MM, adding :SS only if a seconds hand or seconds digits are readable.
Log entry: 5:00
